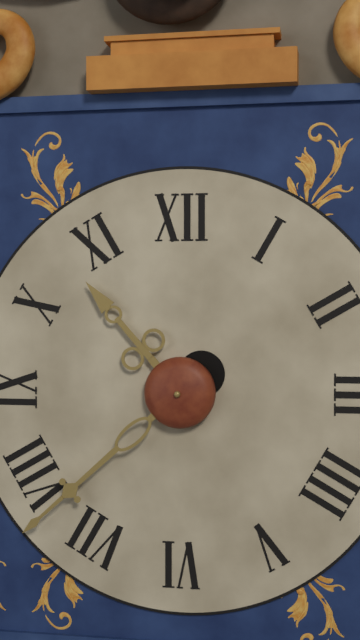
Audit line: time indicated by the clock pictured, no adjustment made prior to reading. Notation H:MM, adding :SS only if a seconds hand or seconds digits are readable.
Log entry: 10:38
